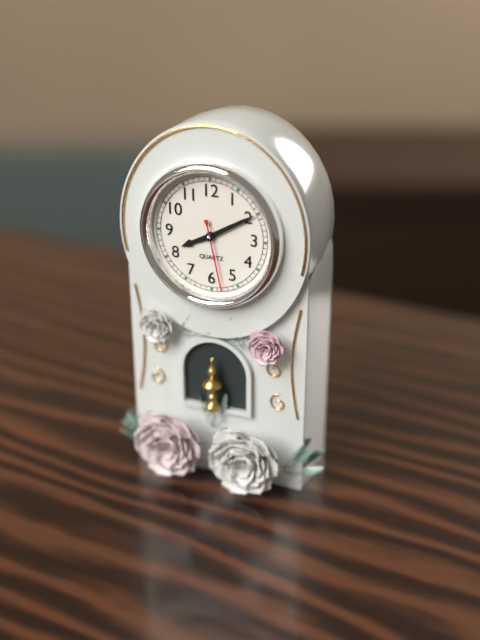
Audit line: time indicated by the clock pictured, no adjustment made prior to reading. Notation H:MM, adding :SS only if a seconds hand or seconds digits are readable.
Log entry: 8:10:28
